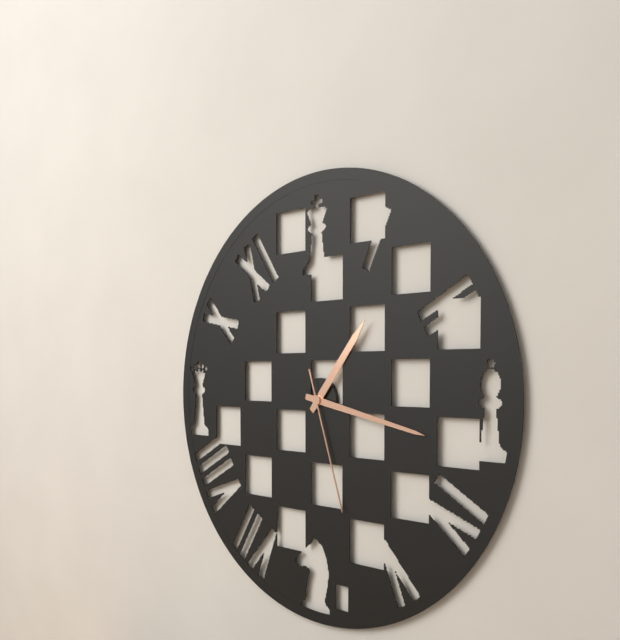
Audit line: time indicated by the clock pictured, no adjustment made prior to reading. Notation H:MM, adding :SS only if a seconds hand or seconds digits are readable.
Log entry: 1:17:27
